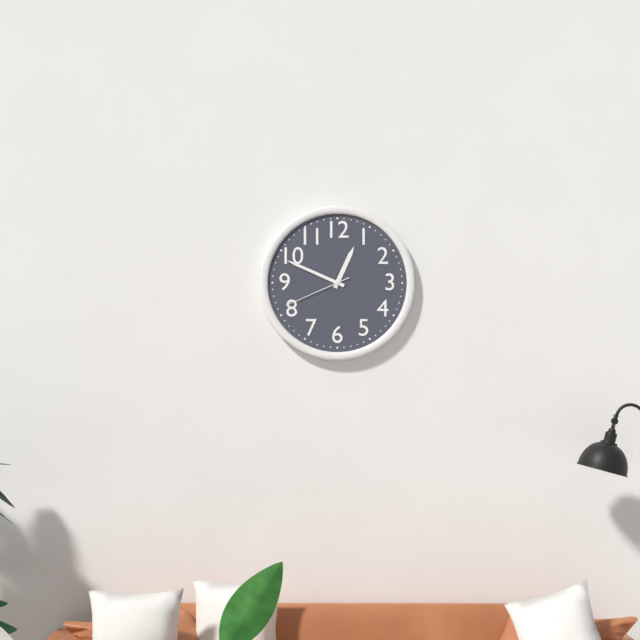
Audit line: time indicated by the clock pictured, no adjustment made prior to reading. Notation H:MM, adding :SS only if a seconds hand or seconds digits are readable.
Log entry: 12:49:41
